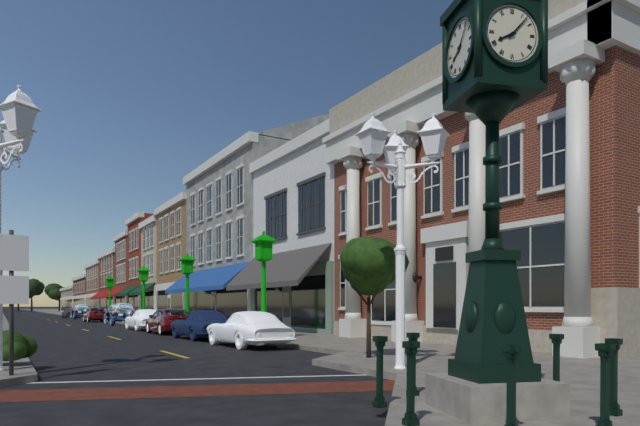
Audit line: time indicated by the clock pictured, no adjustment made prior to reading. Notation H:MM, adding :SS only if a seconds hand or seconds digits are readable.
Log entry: 8:07
